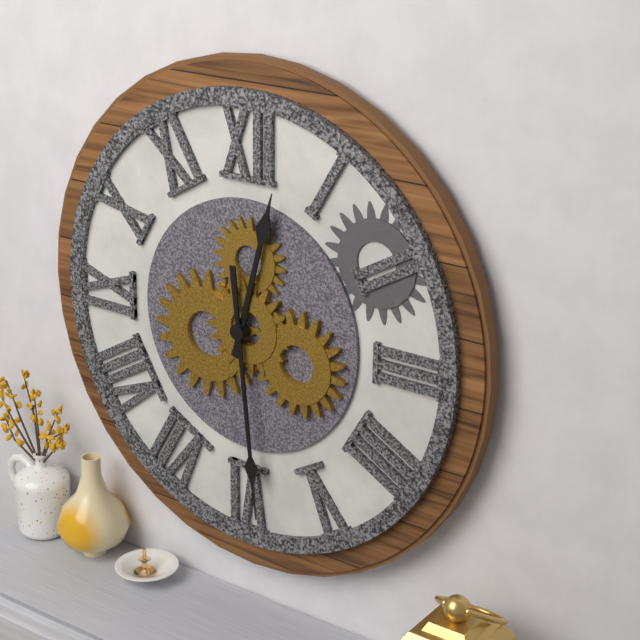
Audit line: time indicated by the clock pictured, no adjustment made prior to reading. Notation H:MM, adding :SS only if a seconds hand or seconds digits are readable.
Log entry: 12:29
